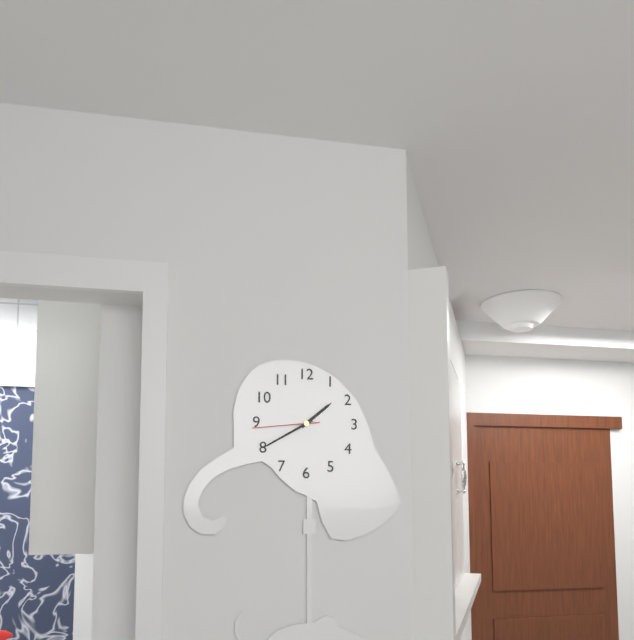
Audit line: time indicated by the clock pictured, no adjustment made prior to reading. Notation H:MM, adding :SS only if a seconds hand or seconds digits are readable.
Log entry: 1:40:44
